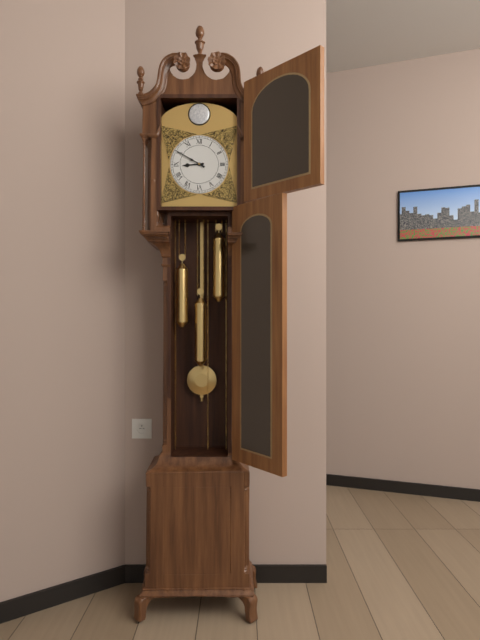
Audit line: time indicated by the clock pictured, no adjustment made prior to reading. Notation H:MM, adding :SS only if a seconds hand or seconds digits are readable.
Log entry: 8:50
